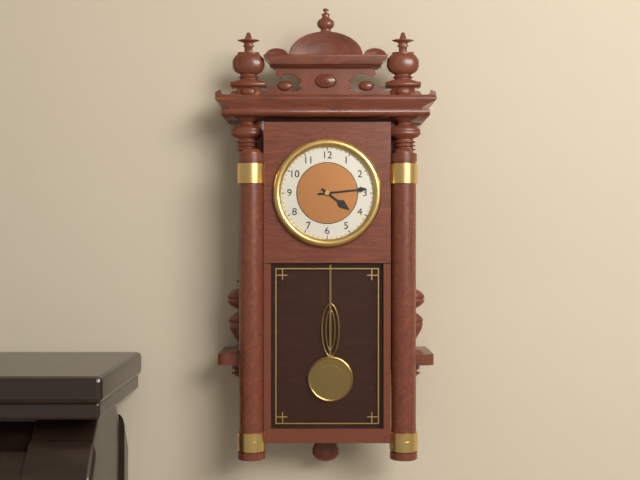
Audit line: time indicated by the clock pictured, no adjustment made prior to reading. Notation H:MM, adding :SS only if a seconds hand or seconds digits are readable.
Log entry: 4:14
